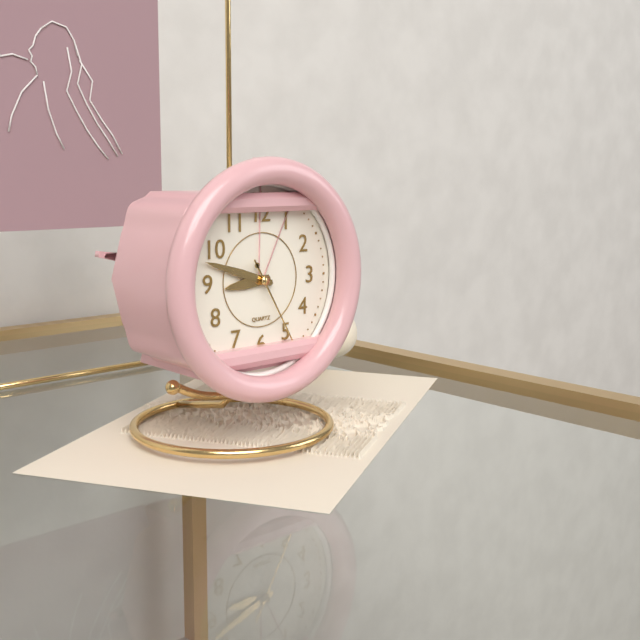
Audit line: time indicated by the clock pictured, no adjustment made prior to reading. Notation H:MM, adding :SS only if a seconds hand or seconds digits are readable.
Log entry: 8:48:25
